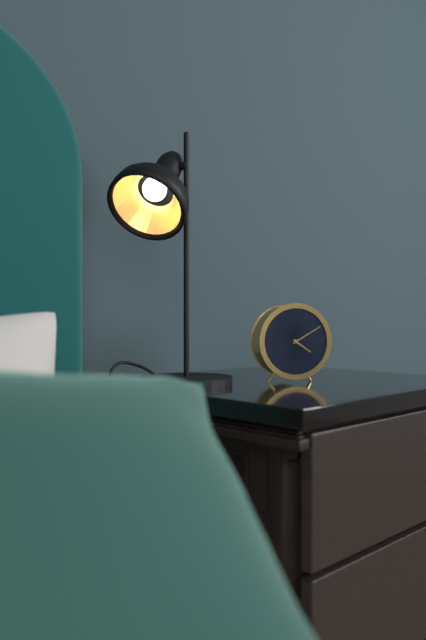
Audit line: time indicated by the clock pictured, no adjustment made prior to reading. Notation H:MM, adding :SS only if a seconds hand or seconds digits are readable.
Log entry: 4:10
